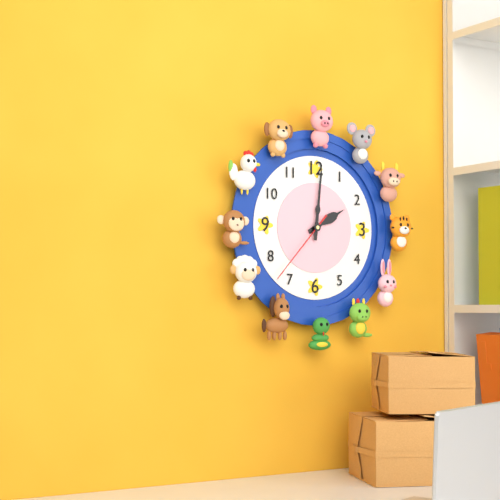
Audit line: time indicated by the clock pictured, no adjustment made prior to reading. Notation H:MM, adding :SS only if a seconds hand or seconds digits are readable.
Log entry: 2:01:37
